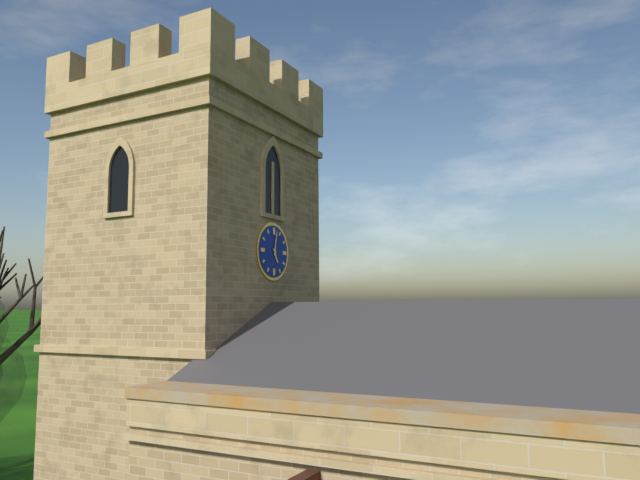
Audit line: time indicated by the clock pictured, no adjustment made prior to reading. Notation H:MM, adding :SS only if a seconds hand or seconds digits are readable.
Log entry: 5:02
